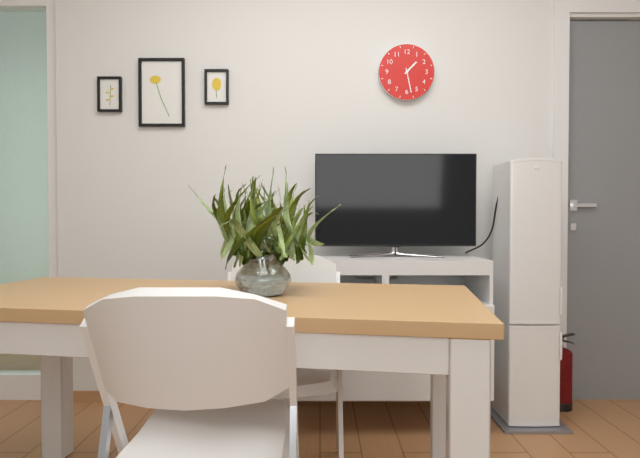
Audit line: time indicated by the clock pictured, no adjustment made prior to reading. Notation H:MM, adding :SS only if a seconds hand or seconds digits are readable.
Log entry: 1:28
